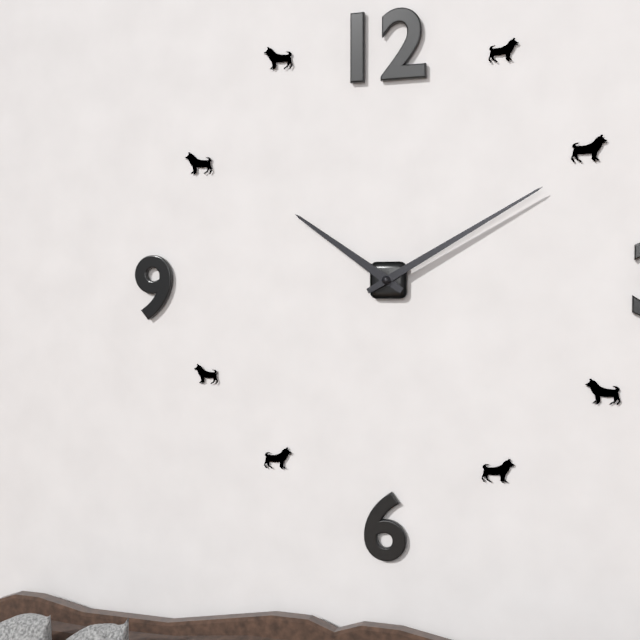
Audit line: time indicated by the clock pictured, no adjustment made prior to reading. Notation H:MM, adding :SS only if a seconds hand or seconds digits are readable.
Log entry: 10:10
